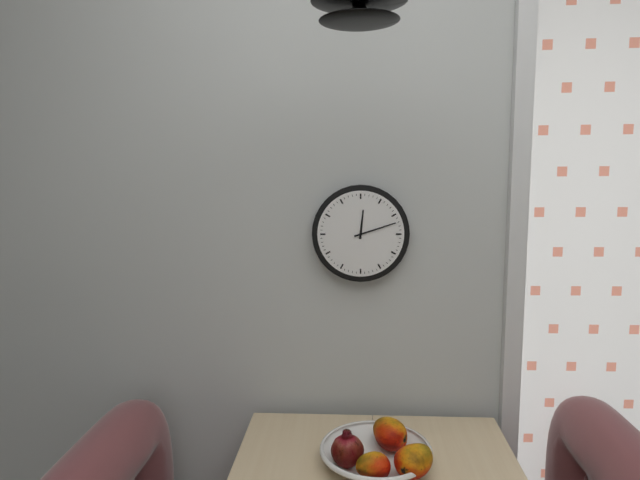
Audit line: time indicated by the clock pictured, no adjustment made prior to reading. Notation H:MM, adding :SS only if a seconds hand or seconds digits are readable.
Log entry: 12:12
